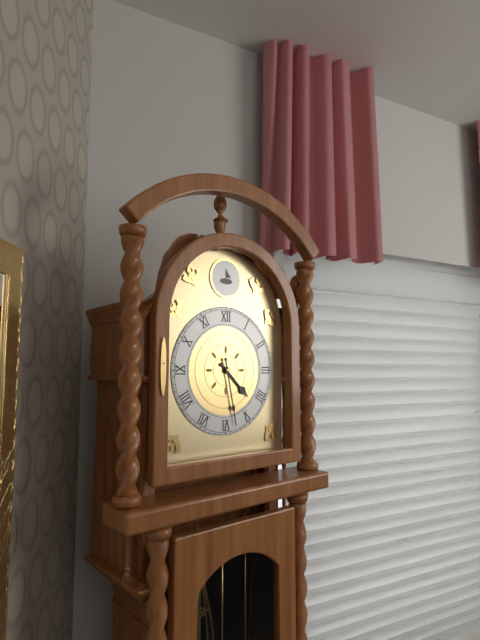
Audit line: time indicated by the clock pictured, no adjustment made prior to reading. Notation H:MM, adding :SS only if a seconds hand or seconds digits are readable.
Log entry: 4:28
